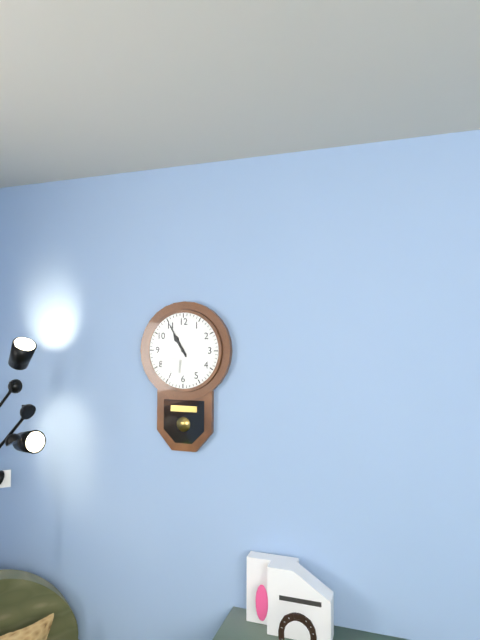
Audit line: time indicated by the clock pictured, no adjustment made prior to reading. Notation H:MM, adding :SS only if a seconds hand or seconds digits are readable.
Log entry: 10:55
